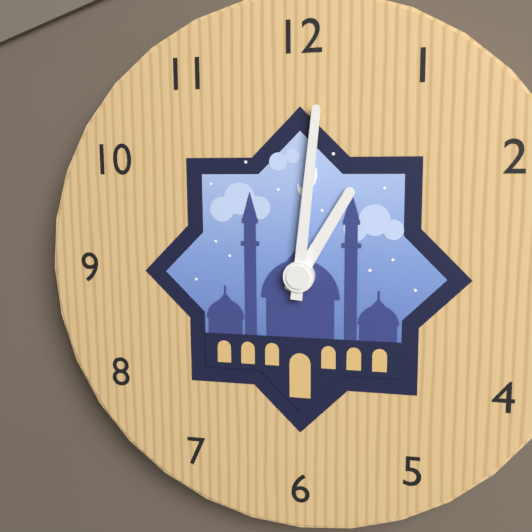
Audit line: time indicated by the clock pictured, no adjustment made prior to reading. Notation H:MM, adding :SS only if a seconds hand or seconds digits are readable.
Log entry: 1:01
